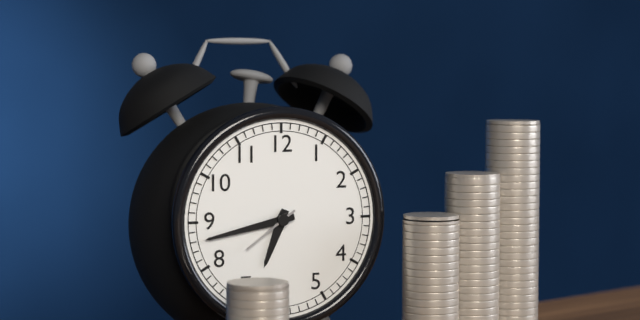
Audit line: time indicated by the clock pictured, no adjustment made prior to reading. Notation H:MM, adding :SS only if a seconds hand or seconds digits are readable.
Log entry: 6:43:39
